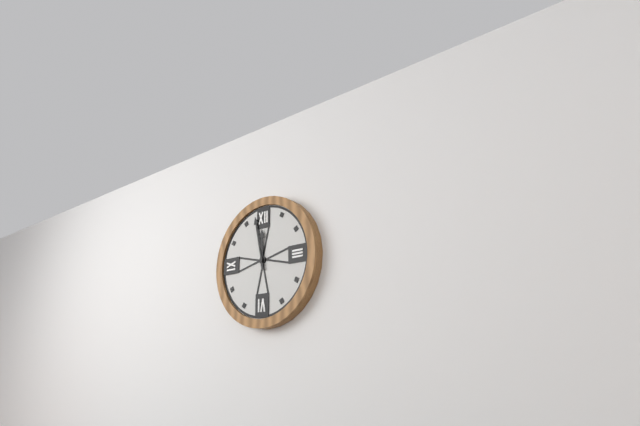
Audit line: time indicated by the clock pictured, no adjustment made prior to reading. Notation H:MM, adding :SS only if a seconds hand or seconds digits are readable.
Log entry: 11:58
